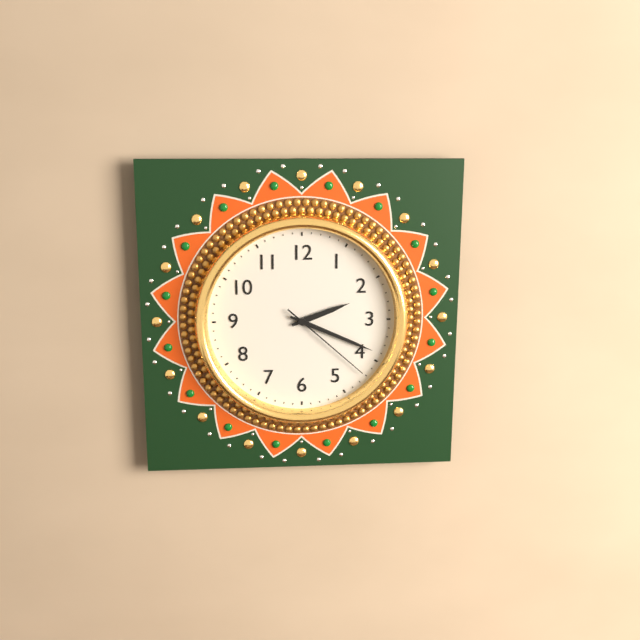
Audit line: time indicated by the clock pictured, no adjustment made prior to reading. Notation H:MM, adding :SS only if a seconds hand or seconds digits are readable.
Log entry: 2:19:22
